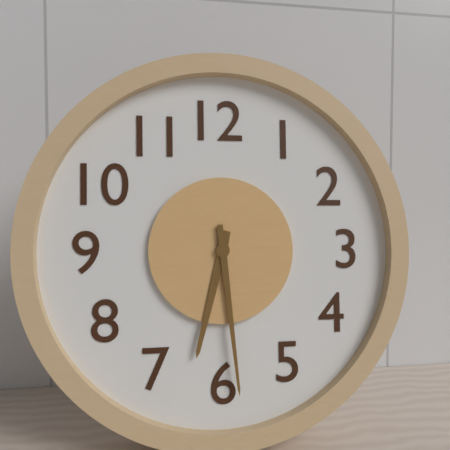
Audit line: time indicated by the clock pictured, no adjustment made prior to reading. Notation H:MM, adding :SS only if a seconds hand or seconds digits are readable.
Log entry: 6:29
